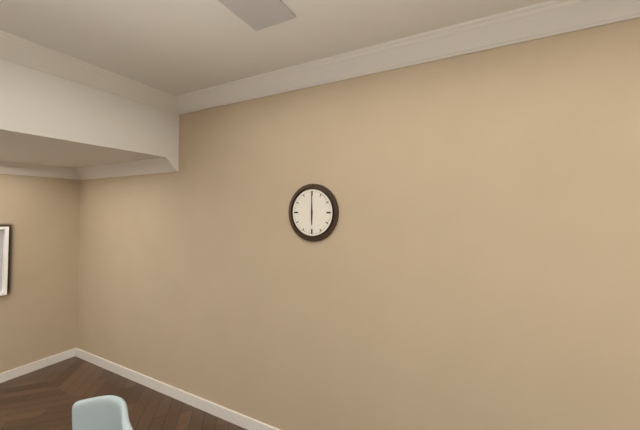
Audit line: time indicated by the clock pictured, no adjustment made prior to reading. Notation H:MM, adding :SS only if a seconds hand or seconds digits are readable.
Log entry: 6:00
